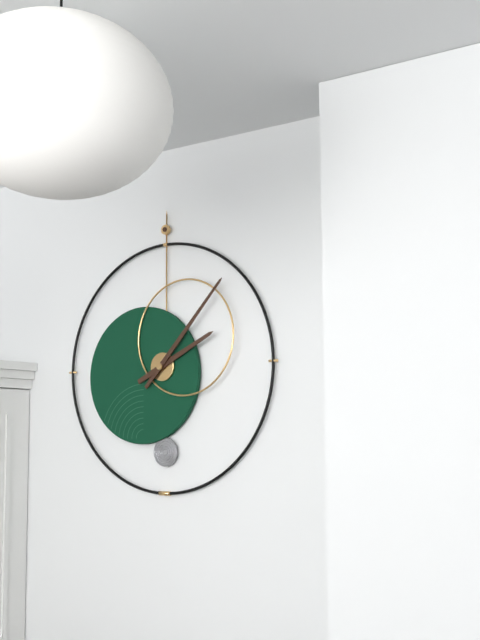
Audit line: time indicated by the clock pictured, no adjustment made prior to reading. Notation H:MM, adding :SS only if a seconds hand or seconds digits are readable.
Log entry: 2:07
